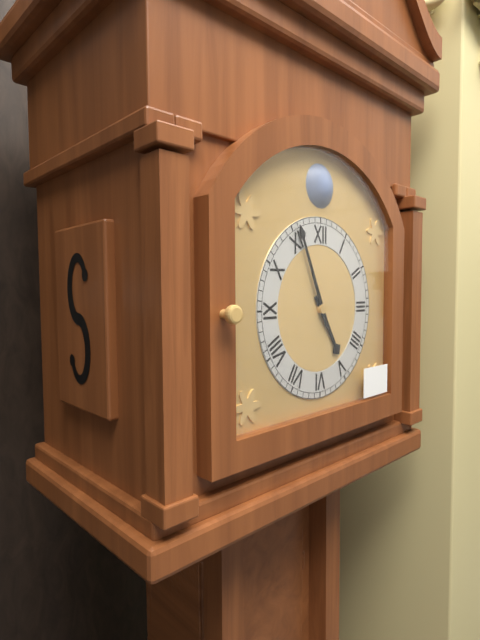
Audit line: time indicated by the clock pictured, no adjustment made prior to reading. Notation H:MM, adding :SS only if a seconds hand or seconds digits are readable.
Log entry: 4:56
